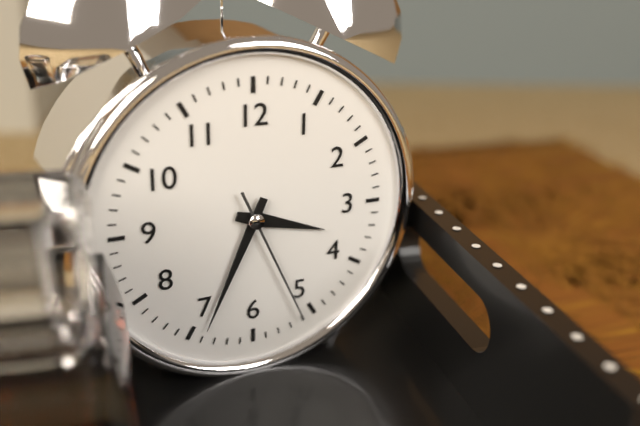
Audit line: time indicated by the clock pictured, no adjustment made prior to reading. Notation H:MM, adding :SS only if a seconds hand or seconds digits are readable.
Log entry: 3:34:26
